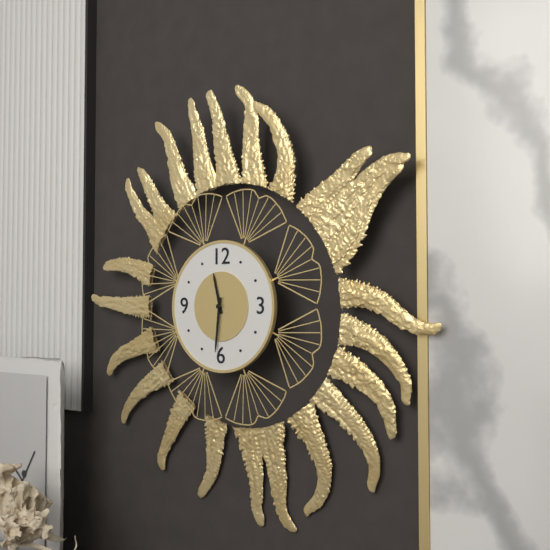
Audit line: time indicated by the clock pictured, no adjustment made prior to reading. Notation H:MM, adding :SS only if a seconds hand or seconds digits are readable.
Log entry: 11:31
